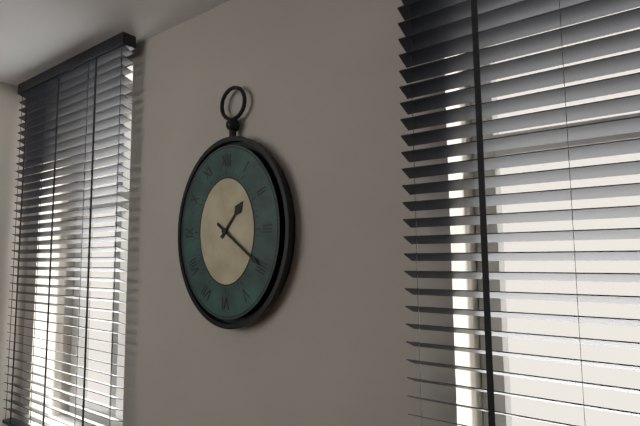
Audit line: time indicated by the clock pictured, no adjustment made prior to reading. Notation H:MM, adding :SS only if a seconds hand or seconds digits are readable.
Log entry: 1:21
